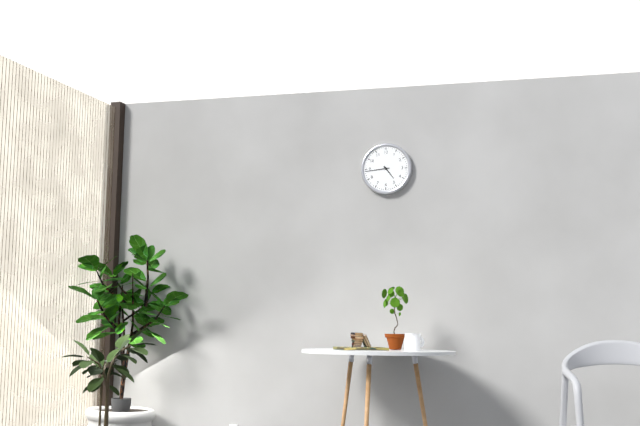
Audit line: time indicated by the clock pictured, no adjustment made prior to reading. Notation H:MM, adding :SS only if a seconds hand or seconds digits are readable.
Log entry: 4:44
